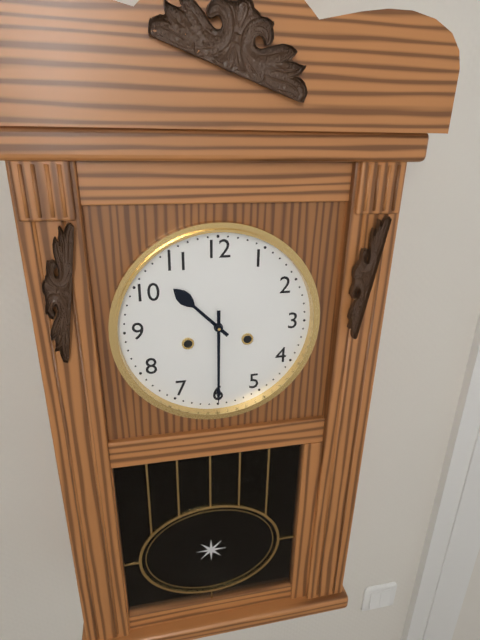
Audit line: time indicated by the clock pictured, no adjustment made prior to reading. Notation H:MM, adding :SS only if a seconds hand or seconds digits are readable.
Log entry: 10:30
